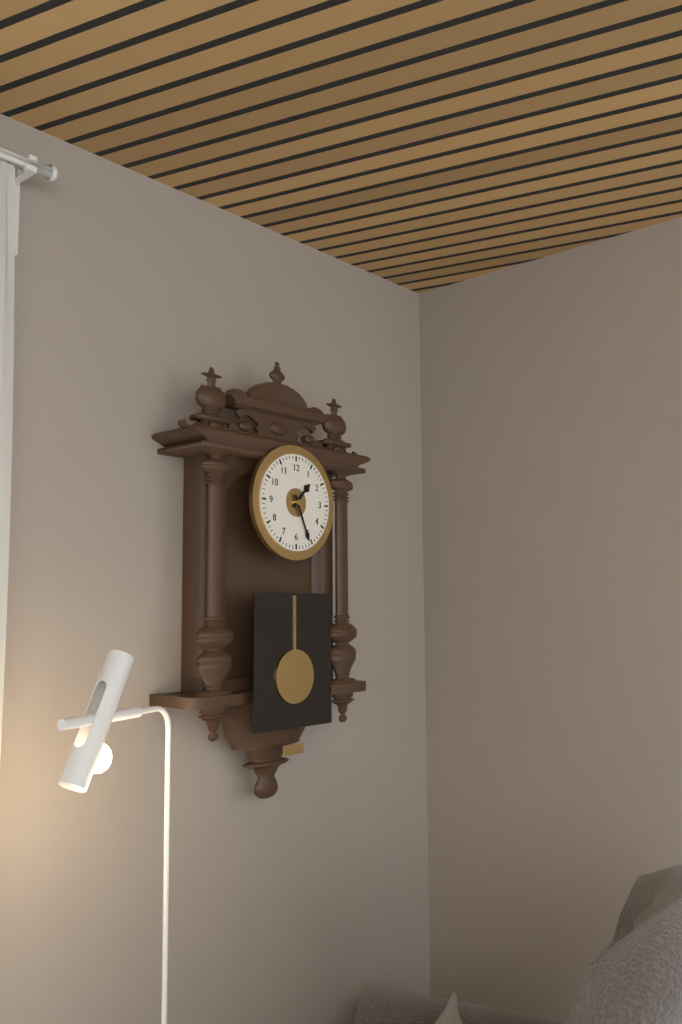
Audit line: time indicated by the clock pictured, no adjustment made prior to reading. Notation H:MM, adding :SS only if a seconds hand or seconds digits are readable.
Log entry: 1:26
